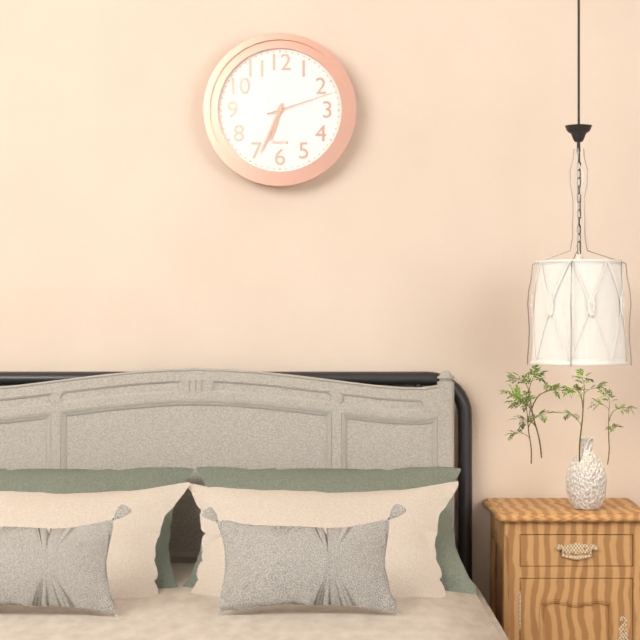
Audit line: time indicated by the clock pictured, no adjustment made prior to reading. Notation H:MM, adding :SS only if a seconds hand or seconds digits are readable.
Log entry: 6:34:12
